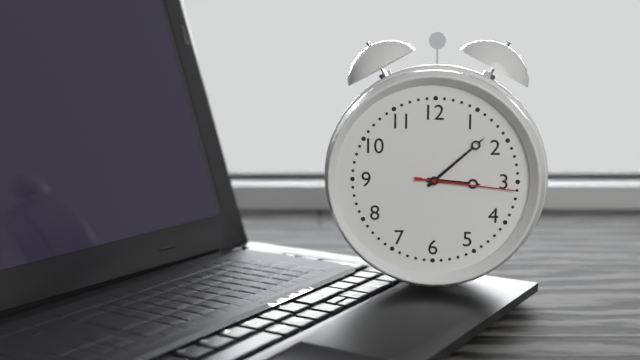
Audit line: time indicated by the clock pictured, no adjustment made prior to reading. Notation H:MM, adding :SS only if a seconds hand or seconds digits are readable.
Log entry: 3:08:16
